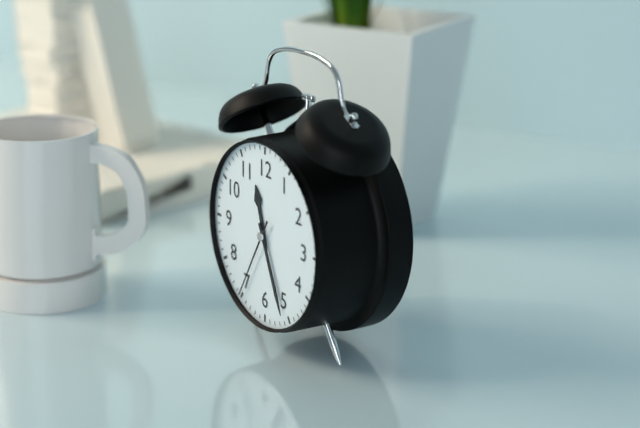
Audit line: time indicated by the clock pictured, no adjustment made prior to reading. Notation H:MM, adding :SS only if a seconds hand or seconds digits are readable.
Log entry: 11:26:35
